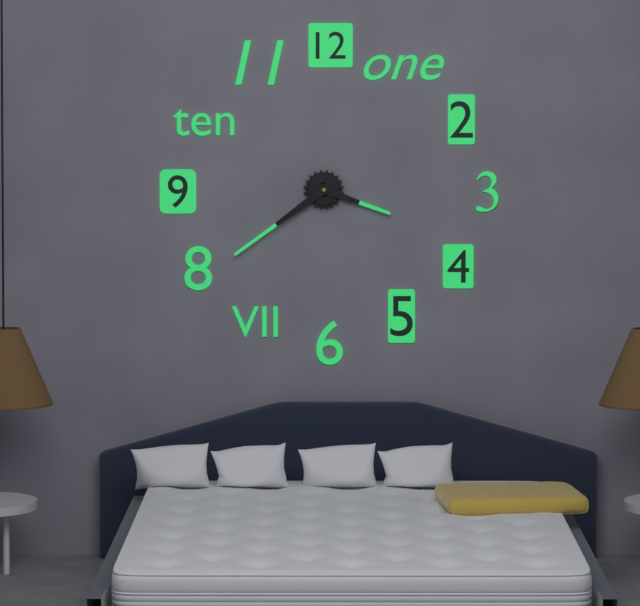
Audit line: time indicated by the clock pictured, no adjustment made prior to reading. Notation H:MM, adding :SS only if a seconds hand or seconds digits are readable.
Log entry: 3:39
